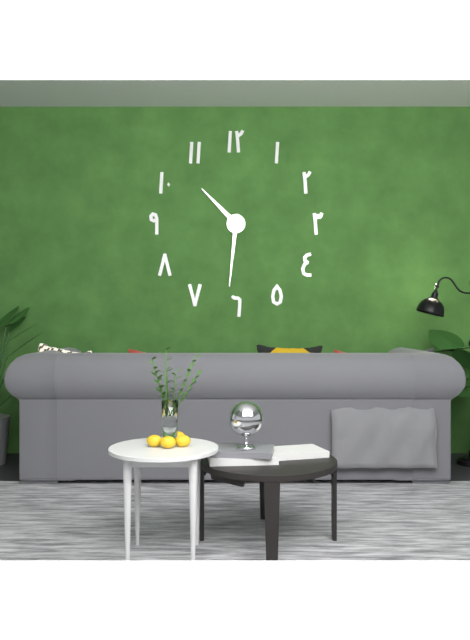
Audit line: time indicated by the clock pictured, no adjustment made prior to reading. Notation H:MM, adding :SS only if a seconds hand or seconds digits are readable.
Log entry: 10:31
